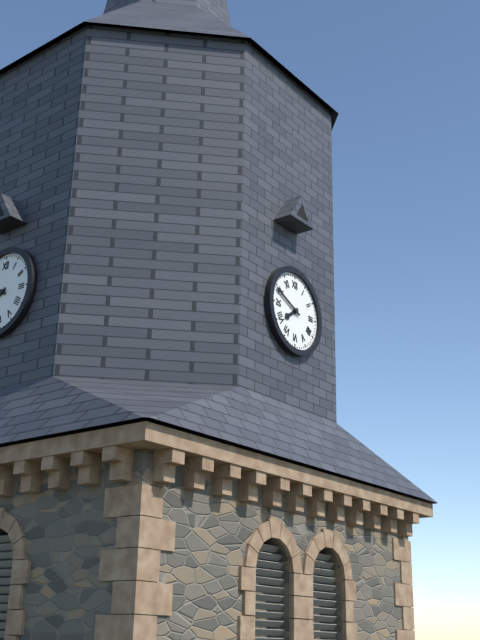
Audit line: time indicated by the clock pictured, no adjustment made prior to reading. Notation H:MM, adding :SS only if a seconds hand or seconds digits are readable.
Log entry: 7:49
